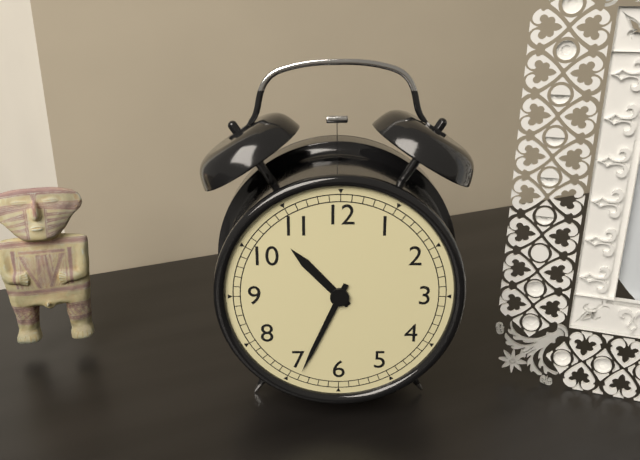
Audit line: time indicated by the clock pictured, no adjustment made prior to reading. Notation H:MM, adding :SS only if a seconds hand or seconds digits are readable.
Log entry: 10:34
